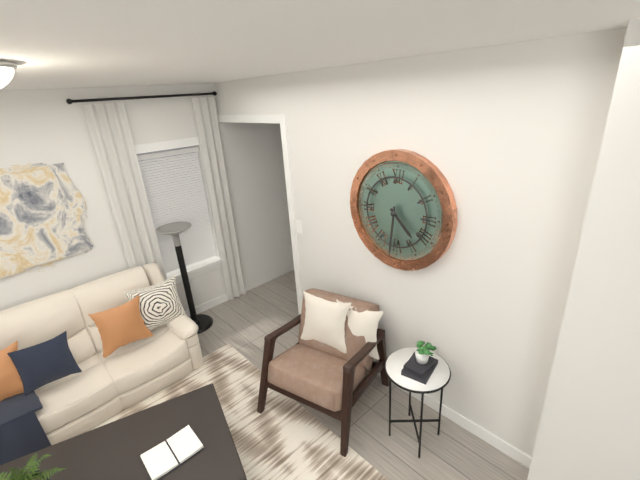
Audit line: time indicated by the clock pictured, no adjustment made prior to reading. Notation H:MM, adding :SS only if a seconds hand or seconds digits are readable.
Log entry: 4:31
